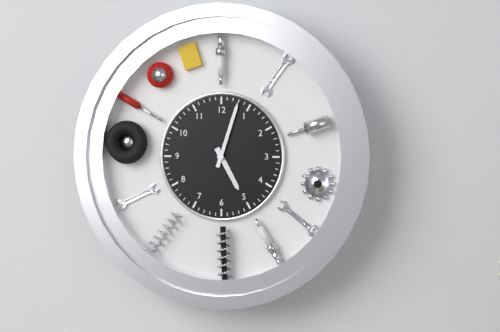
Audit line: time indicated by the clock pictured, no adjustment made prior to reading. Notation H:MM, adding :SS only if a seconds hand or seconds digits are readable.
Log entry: 5:03
